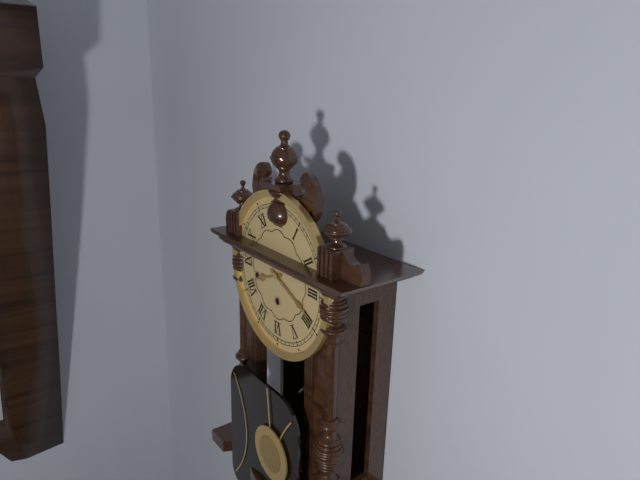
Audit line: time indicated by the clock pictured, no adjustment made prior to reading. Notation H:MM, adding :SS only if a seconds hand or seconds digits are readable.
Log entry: 8:19
